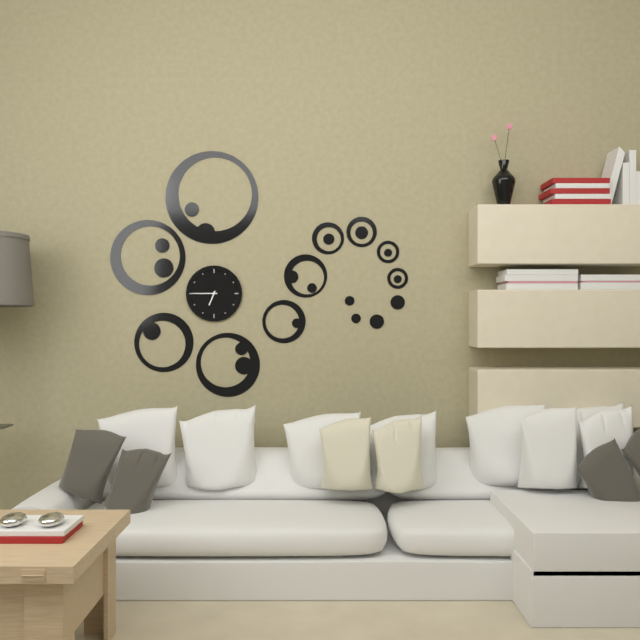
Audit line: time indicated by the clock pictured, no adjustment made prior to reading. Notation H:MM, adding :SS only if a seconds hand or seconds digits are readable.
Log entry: 6:45
